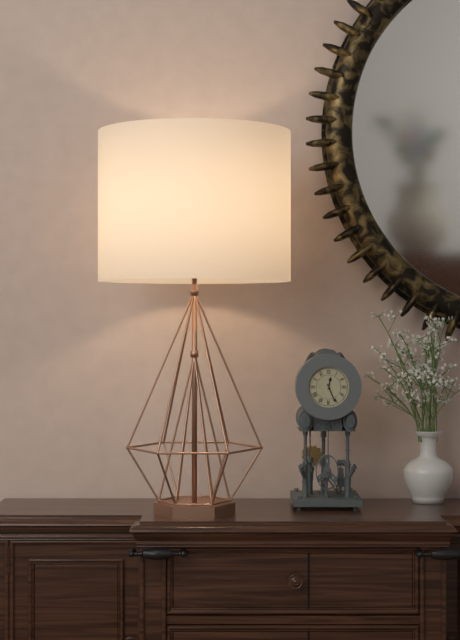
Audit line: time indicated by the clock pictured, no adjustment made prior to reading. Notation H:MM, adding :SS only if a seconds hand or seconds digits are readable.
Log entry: 12:26
